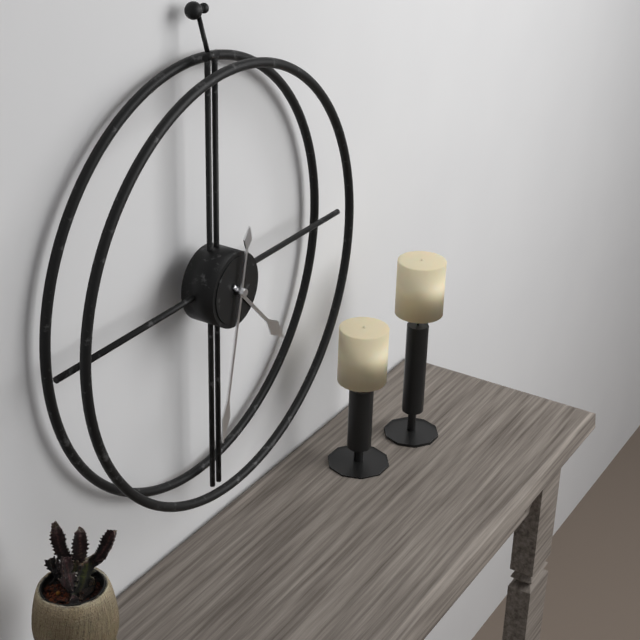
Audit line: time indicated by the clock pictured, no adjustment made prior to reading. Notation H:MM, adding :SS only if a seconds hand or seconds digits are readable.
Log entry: 4:32
